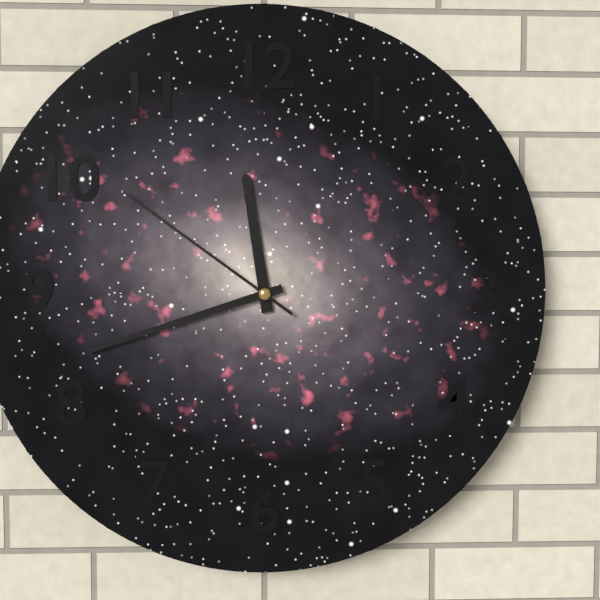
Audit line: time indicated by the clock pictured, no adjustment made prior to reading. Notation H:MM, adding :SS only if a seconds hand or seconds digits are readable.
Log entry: 11:42:51
